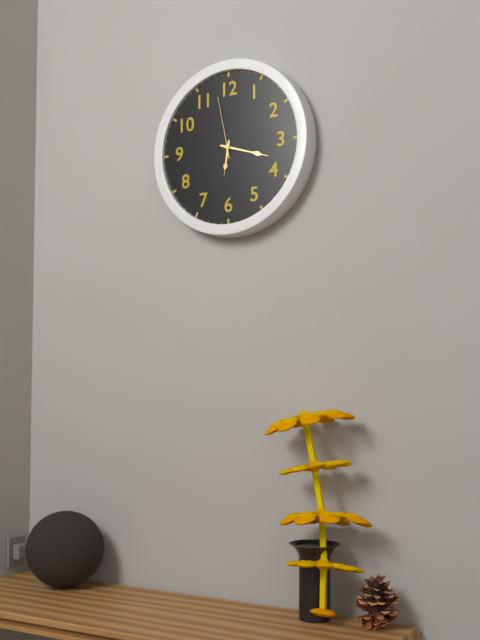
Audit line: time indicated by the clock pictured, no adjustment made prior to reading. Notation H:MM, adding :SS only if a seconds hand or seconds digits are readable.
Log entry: 6:18:58
